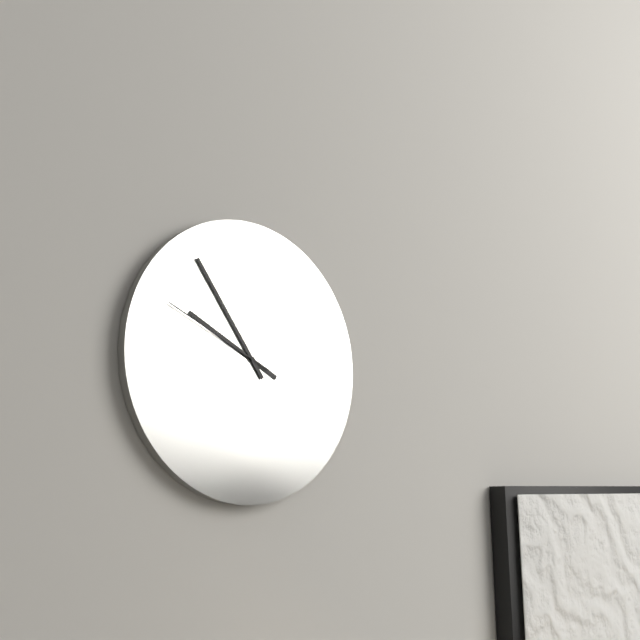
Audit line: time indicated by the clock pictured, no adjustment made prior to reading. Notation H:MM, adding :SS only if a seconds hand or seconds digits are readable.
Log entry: 9:54:49
